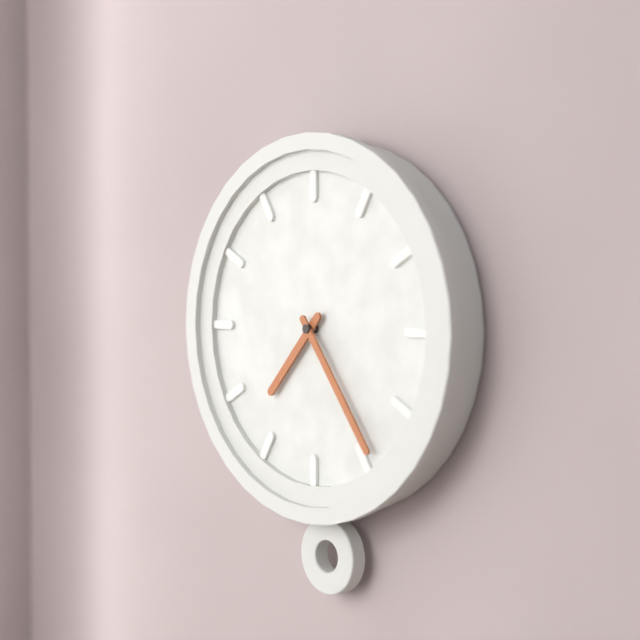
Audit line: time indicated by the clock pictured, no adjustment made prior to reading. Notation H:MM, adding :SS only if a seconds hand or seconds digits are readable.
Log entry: 7:24
